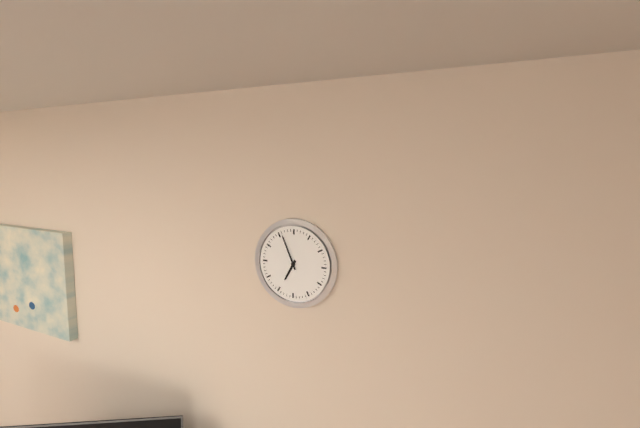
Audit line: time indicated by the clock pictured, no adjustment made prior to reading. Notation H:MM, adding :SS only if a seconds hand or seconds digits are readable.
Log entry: 6:56
